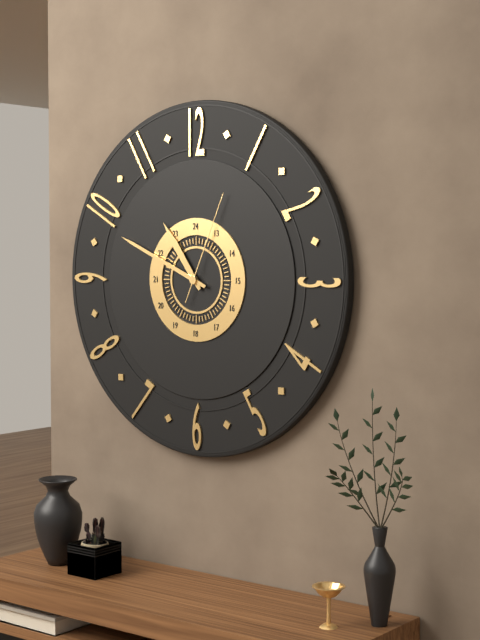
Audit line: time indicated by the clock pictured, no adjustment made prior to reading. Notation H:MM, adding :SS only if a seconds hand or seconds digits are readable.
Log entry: 10:49:04
